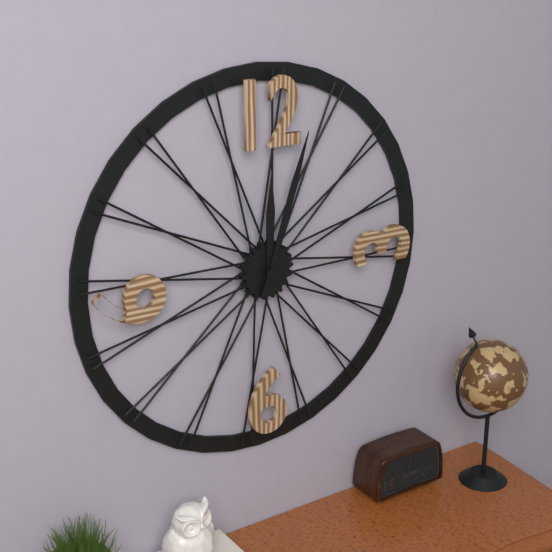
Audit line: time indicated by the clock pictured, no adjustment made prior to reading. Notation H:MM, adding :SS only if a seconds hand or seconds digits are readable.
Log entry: 12:03
